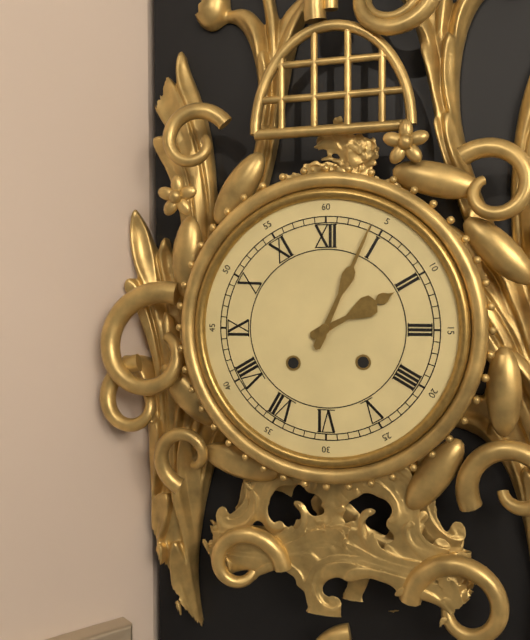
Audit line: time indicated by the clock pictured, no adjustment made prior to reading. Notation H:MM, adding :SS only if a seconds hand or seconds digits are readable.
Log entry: 2:04
